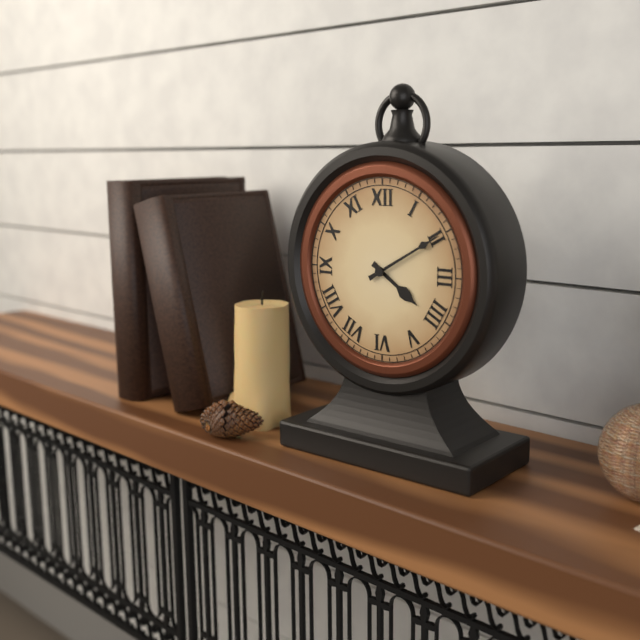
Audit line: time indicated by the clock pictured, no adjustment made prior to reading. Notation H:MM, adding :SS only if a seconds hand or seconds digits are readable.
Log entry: 4:10
